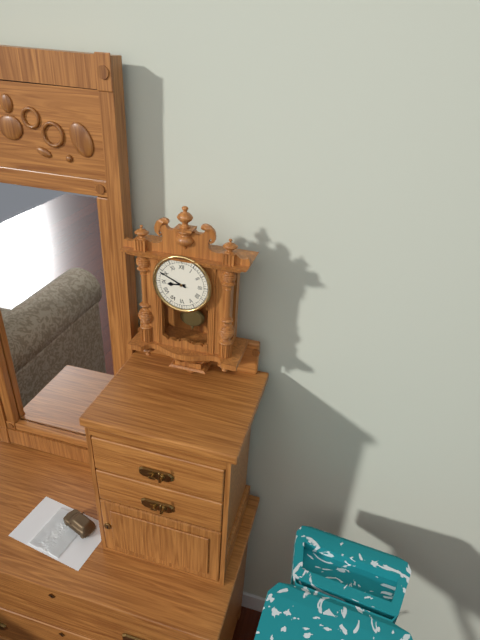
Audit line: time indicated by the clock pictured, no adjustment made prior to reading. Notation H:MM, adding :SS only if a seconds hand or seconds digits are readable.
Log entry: 8:49
